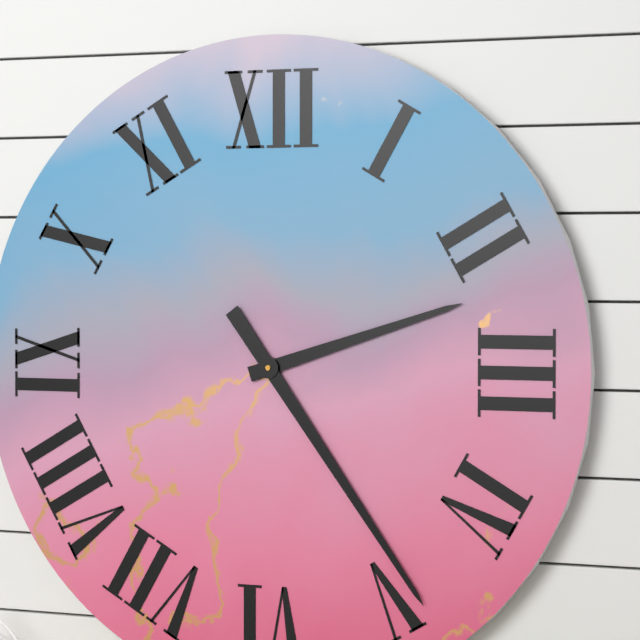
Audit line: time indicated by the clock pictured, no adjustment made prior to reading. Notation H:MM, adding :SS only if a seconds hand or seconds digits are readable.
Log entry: 2:24
